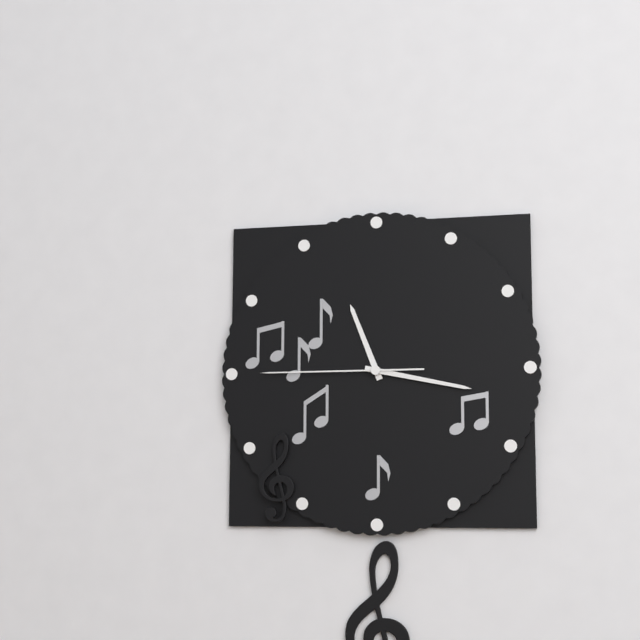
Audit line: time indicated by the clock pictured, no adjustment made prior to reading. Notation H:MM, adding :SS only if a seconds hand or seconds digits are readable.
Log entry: 11:17:45
